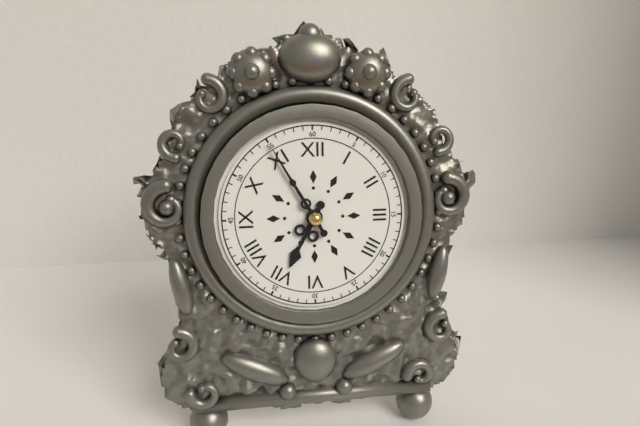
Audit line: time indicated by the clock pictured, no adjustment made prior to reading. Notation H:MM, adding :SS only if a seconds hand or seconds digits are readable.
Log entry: 6:55
